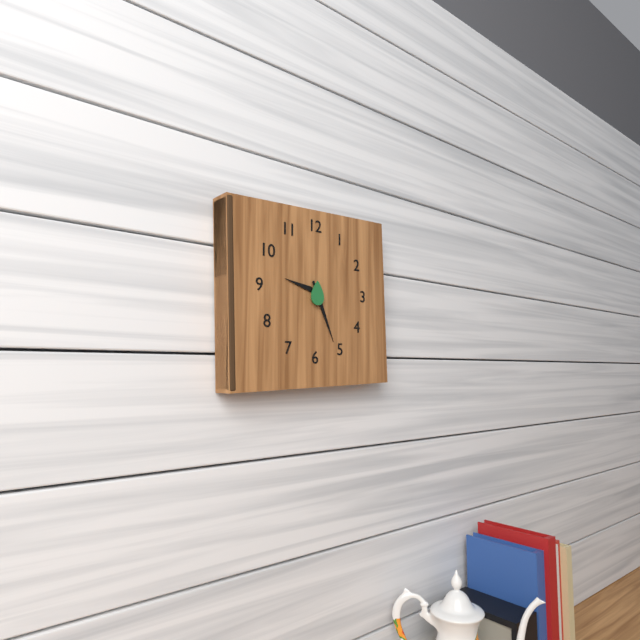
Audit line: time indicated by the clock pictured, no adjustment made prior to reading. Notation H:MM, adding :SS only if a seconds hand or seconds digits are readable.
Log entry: 9:26
